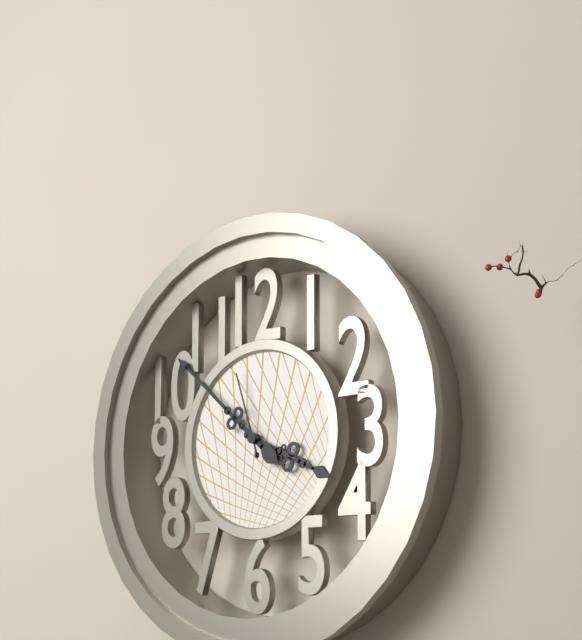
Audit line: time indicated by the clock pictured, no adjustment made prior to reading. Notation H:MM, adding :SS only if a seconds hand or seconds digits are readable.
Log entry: 3:52:57
